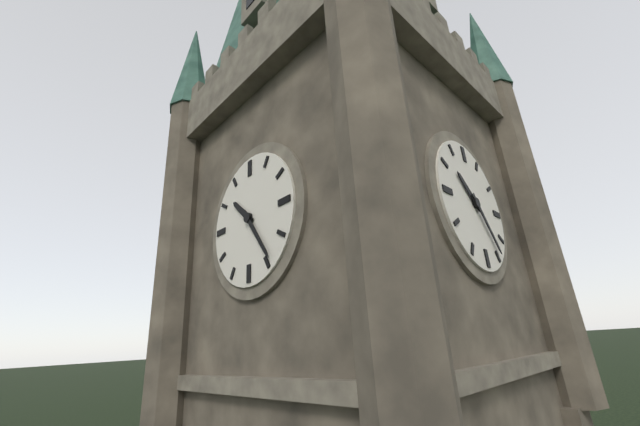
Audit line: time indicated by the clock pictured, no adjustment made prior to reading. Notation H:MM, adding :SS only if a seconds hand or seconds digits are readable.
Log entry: 10:24
